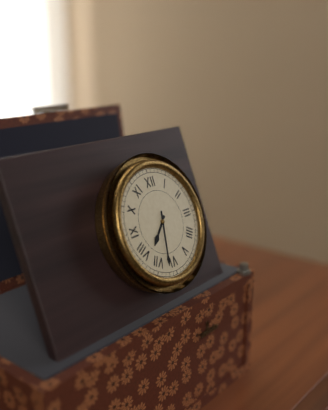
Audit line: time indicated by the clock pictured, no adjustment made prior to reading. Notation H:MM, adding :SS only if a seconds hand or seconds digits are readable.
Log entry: 7:32
